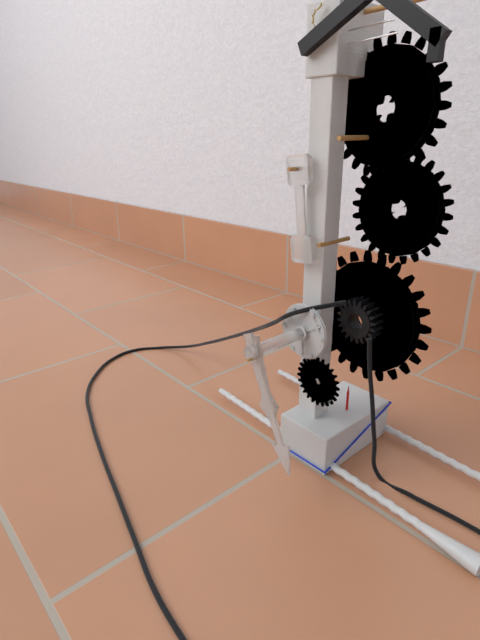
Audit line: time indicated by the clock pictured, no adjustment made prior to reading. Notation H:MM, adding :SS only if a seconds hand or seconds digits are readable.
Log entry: 5:26
